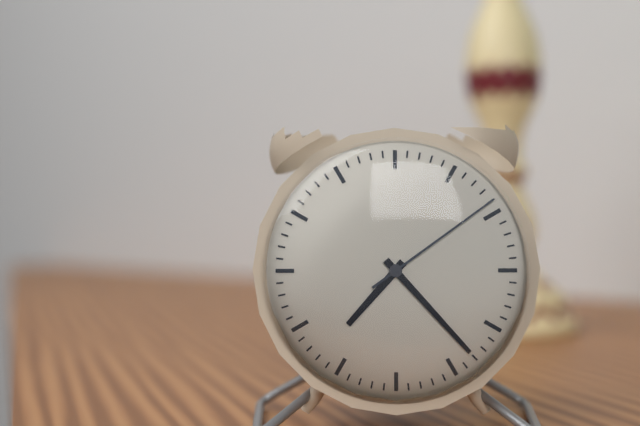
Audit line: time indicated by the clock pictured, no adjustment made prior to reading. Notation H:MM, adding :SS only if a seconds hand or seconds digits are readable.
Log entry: 7:23:09
